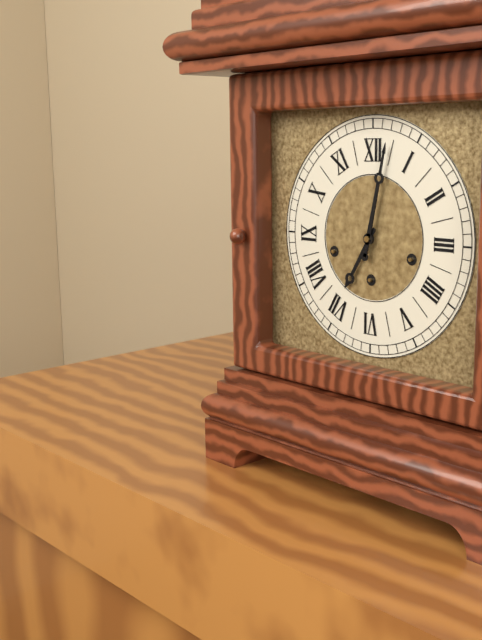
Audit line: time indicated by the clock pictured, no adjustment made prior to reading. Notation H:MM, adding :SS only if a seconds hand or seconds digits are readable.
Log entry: 7:02
